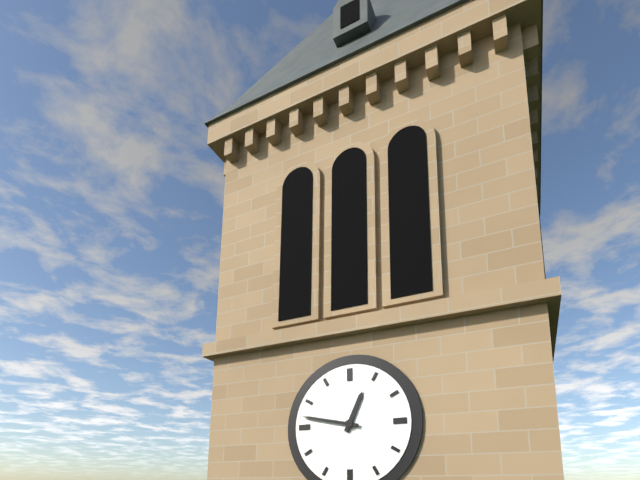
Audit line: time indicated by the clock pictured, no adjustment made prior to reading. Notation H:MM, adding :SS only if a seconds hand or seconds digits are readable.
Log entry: 12:47
